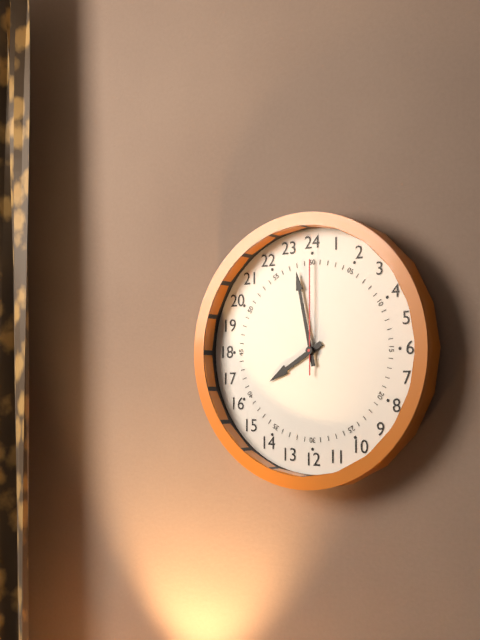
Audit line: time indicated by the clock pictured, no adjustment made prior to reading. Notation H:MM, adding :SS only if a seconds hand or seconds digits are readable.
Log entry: 7:58:00
